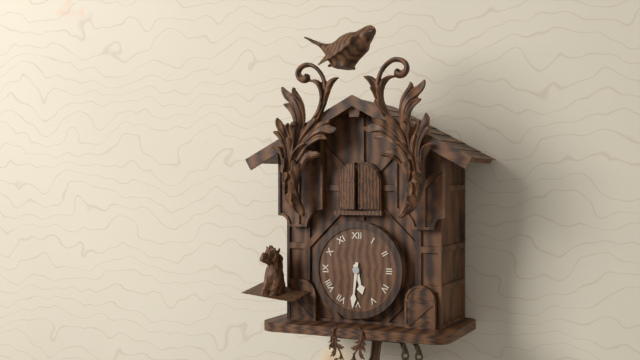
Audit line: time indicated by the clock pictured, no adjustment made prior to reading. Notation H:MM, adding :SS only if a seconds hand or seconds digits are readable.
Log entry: 5:31
